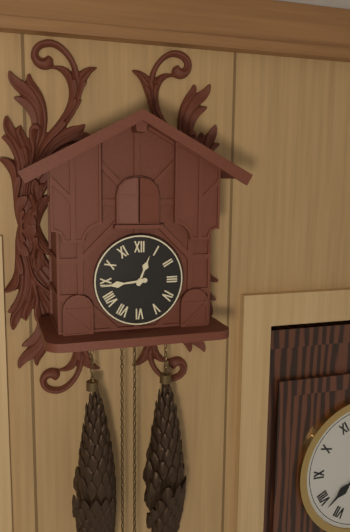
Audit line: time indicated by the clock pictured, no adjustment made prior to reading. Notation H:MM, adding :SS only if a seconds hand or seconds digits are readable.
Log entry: 12:44
